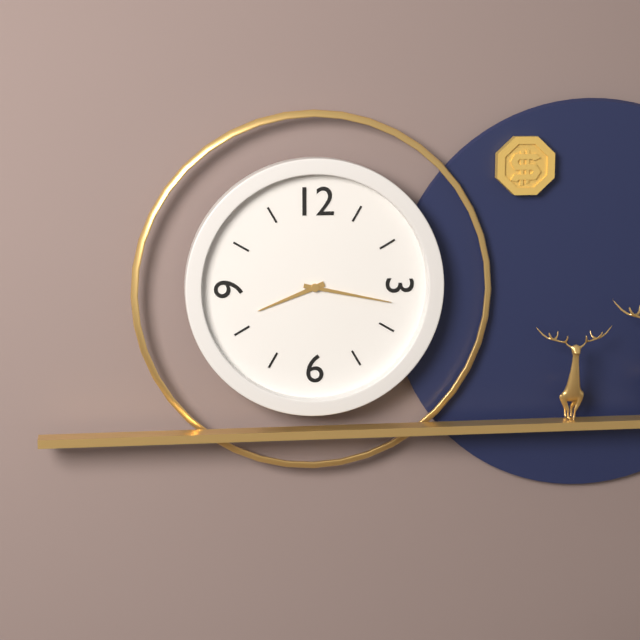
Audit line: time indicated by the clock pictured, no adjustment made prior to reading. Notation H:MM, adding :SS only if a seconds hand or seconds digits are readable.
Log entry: 8:17
